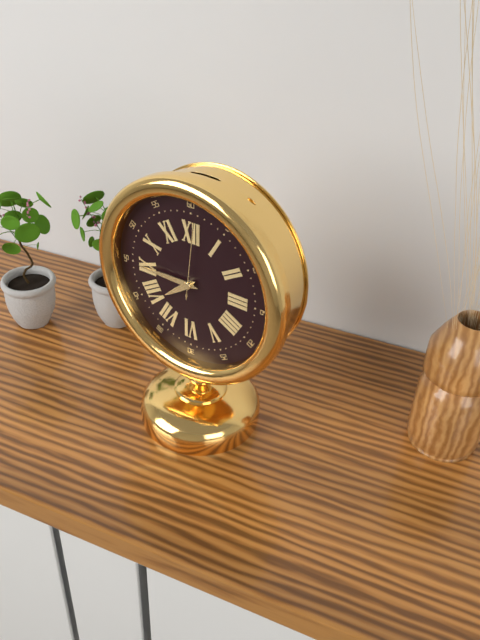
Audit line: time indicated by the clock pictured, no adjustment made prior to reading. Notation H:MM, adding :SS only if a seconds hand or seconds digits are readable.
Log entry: 7:45:01
